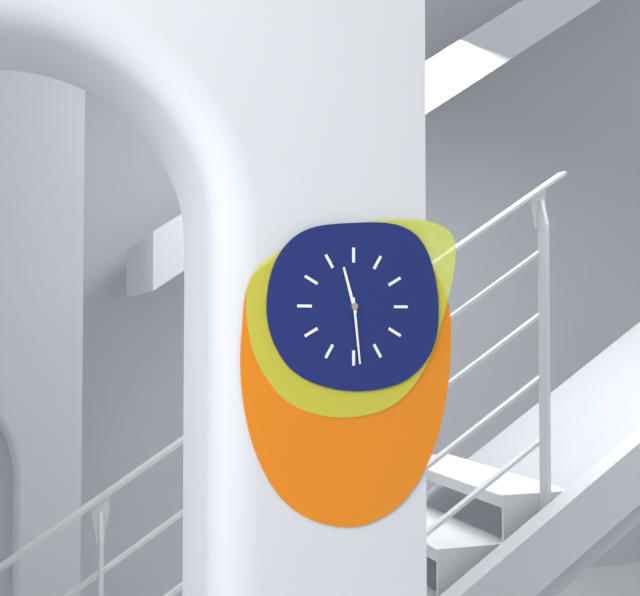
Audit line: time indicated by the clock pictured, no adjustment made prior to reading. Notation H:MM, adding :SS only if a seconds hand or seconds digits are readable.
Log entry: 11:29
